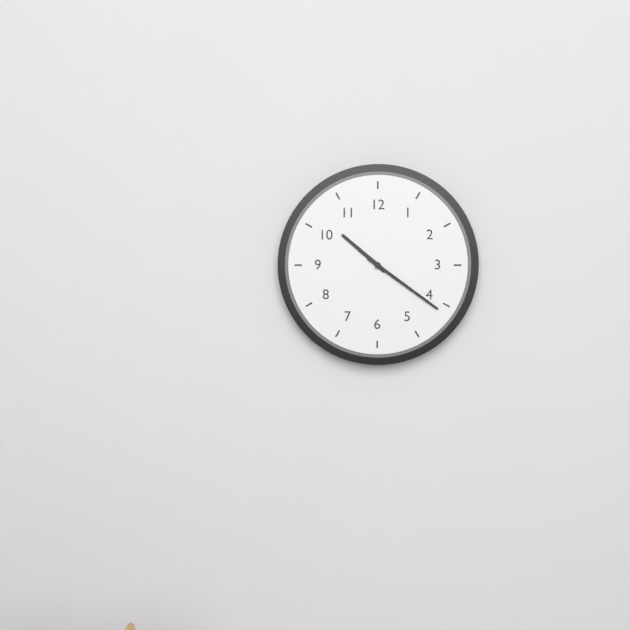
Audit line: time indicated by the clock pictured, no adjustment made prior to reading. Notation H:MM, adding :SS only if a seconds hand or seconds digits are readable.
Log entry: 10:21
